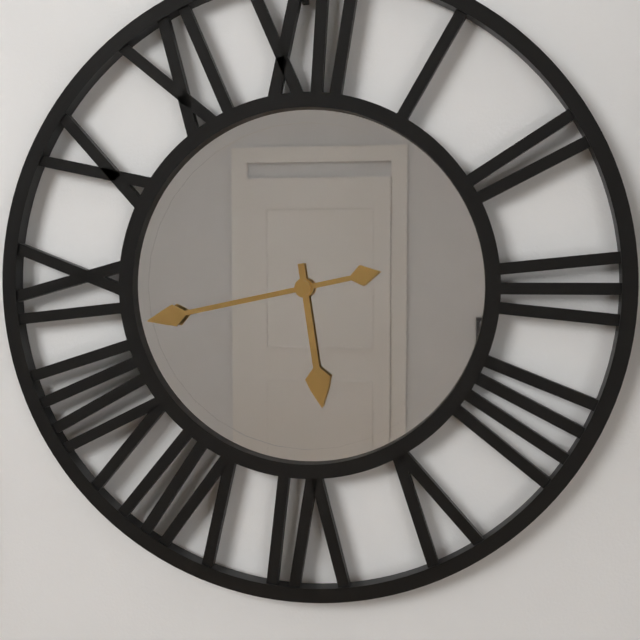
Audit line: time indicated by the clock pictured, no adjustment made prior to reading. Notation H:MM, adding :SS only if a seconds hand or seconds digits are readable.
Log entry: 5:43
